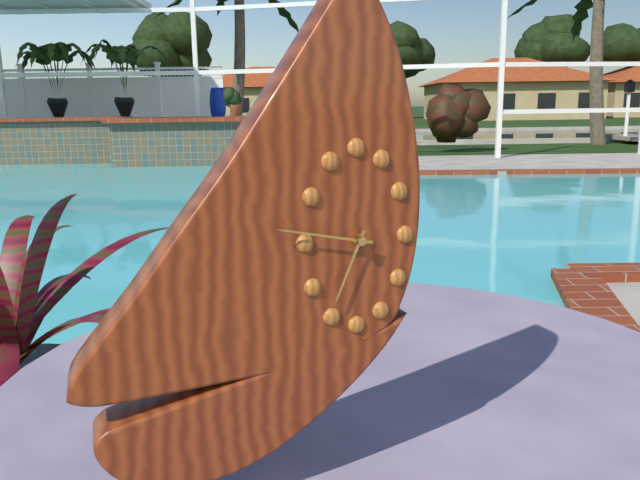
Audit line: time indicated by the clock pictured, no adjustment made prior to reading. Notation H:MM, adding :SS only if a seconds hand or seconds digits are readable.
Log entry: 6:47
